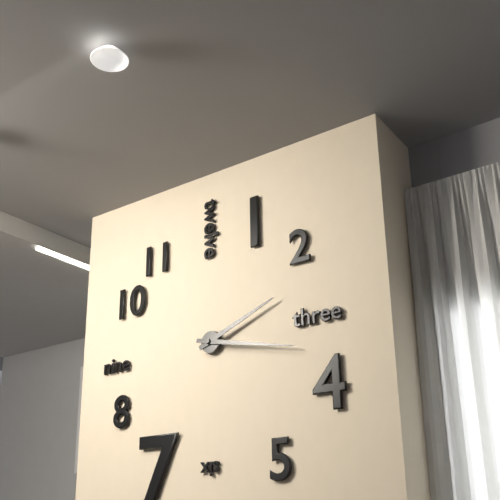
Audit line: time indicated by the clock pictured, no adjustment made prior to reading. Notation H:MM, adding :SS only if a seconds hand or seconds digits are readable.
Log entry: 2:17
